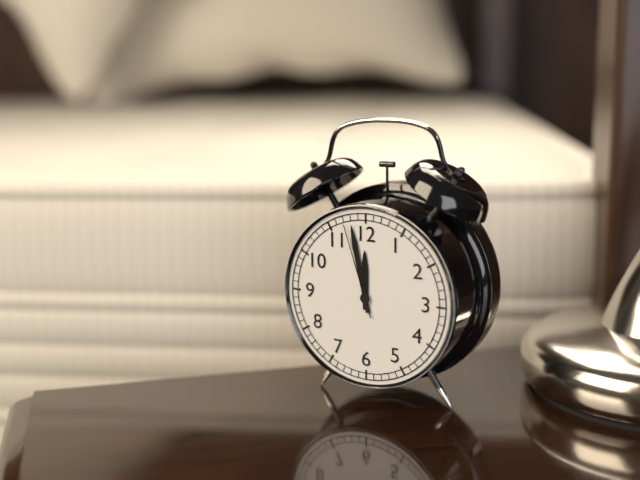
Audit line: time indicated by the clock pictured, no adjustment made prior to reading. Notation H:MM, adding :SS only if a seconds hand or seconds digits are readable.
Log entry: 11:58:57
